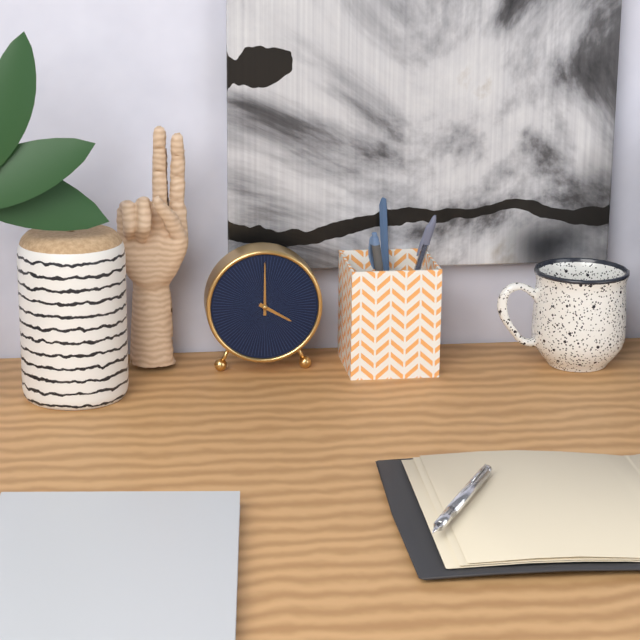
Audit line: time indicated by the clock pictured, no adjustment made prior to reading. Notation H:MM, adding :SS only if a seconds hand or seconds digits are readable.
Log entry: 4:00
